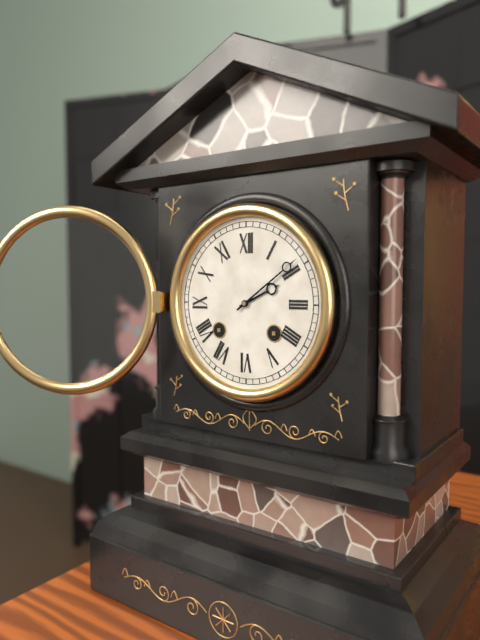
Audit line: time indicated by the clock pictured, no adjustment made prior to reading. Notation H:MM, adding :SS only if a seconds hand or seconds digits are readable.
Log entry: 2:09
